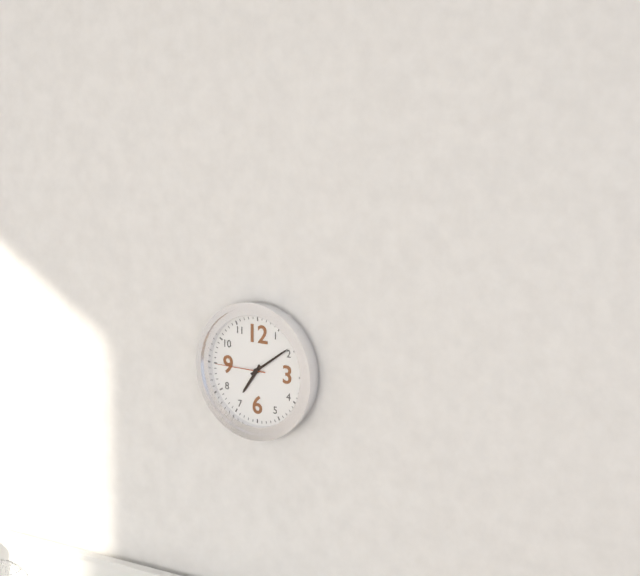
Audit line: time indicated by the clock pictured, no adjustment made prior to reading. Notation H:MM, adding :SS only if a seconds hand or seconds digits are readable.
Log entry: 7:09:45
